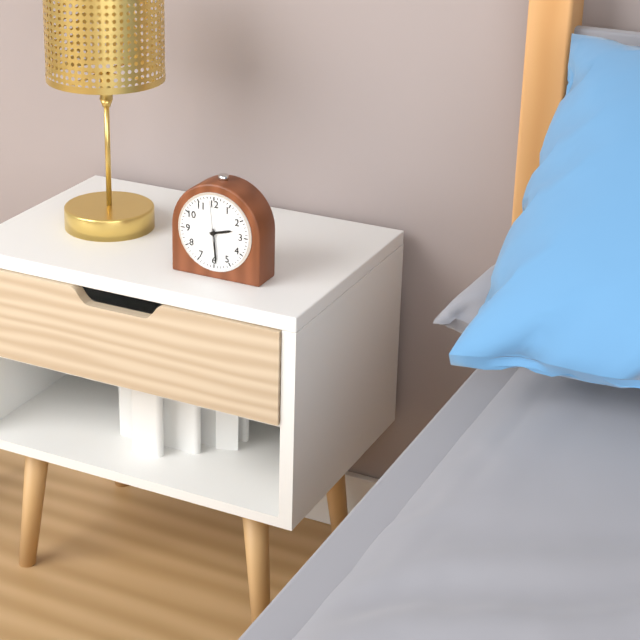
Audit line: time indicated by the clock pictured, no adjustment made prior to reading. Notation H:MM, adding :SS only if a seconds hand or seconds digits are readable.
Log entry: 2:29
